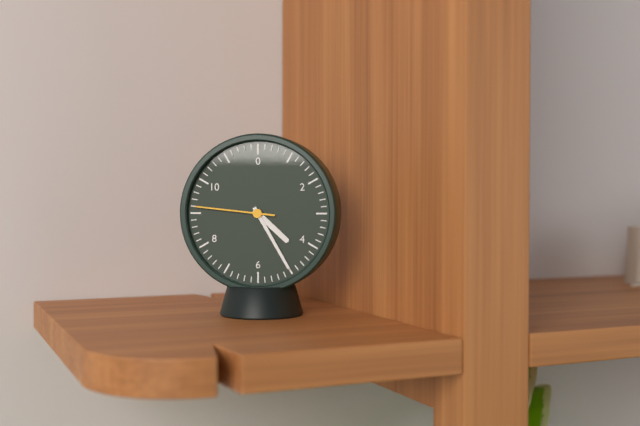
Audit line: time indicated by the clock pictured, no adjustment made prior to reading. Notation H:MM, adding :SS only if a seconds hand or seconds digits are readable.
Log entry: 4:25:46
